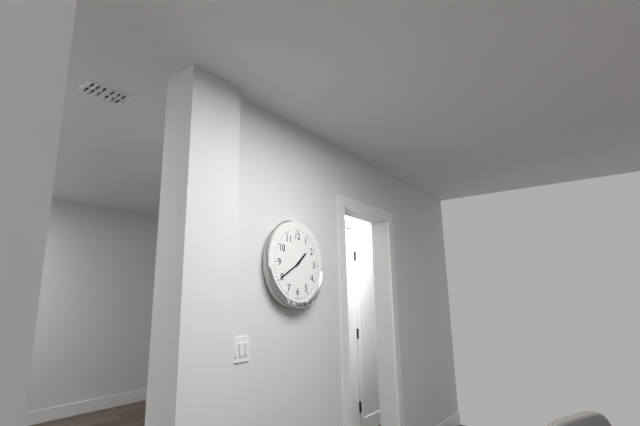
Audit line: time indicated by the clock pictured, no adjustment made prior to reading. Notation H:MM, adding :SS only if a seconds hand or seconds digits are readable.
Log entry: 1:40
